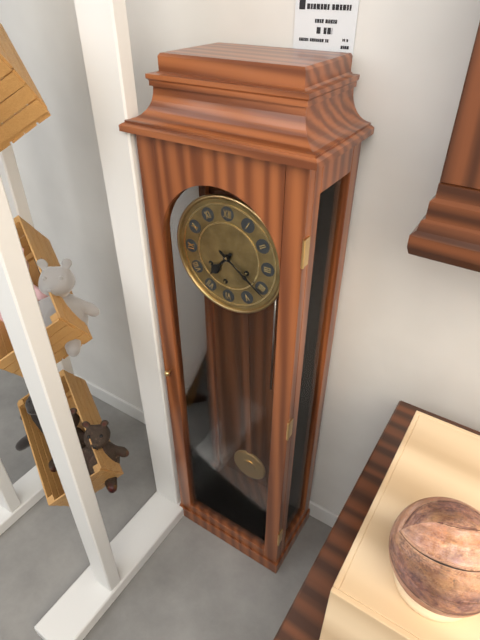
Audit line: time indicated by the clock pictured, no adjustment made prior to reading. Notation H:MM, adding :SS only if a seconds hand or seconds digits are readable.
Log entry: 7:21
